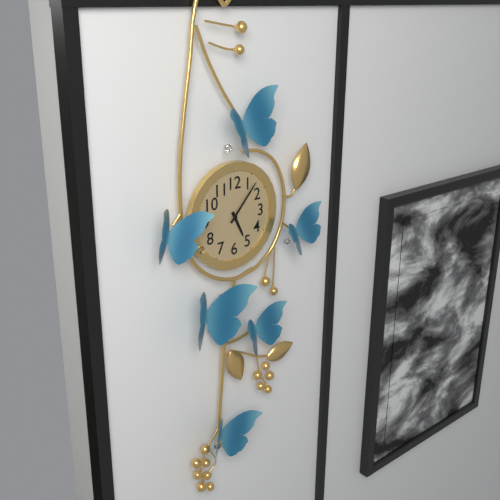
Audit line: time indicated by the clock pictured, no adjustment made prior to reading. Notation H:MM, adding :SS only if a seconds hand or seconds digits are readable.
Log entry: 5:07
